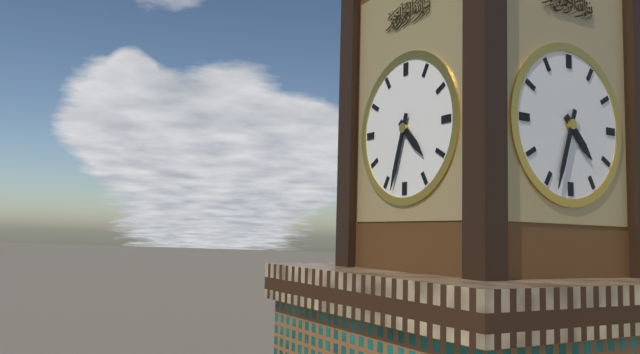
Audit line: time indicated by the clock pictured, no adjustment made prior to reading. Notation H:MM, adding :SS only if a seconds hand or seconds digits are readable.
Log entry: 4:33
